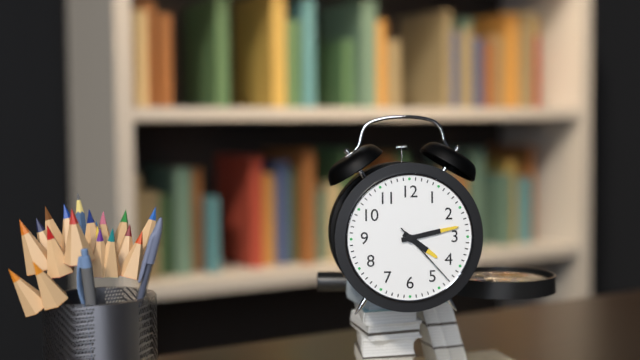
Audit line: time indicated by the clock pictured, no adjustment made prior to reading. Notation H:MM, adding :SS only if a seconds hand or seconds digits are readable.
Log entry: 4:13:23
